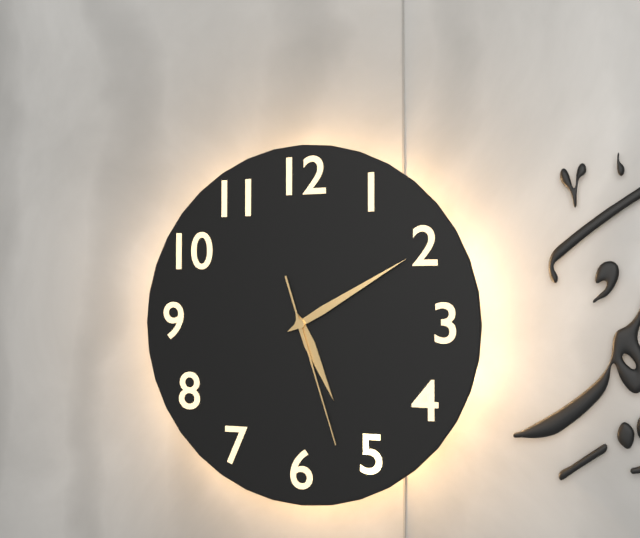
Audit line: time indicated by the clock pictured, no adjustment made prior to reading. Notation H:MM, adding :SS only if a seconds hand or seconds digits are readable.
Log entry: 5:10:27
